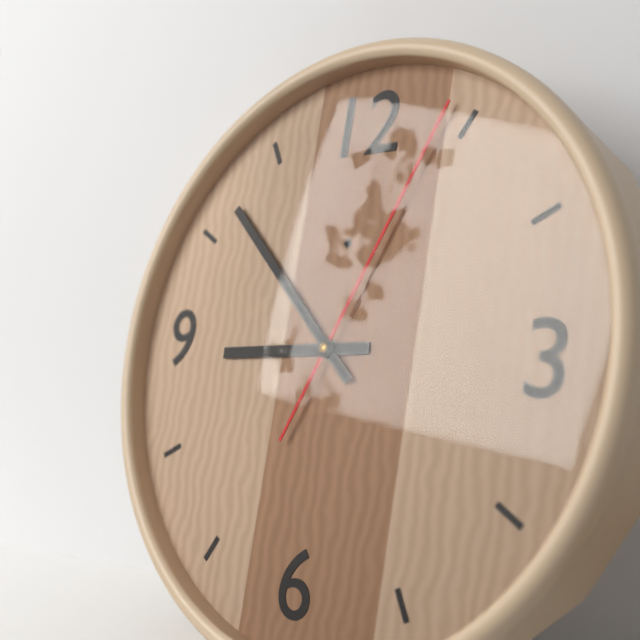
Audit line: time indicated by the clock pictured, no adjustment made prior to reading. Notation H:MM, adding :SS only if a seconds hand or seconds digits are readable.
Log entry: 8:52:04
